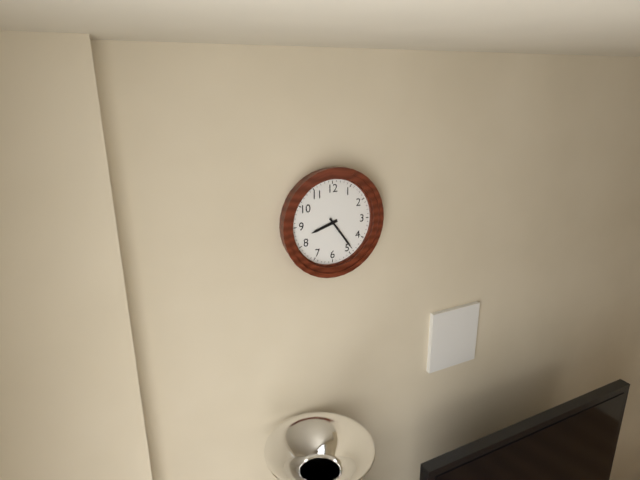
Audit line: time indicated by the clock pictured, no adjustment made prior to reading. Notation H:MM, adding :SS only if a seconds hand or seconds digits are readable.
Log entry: 8:24
